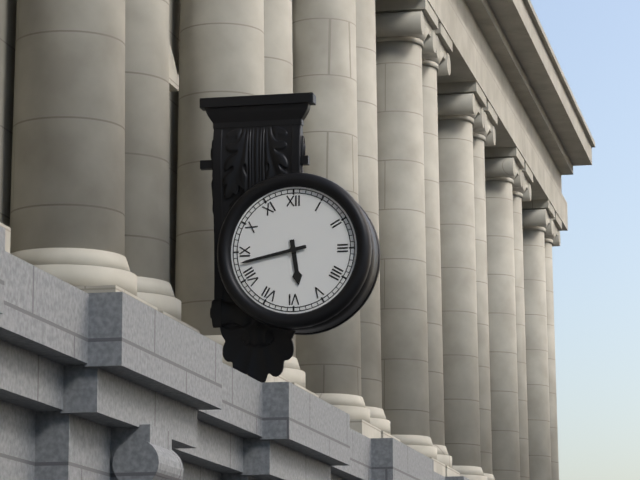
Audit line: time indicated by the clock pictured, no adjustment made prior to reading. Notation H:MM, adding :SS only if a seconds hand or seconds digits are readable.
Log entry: 5:43
